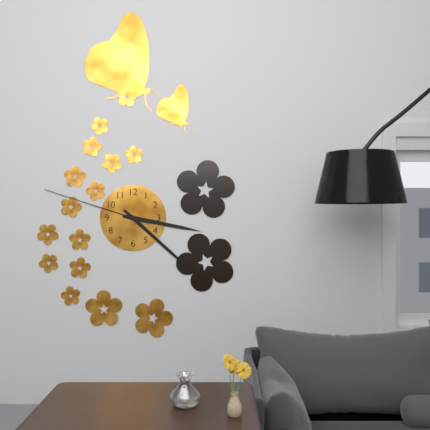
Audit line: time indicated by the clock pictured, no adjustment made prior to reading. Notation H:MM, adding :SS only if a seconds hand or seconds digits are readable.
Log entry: 3:22:48
